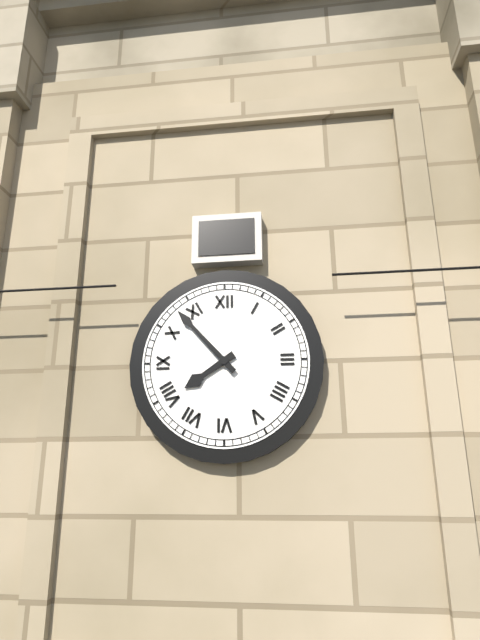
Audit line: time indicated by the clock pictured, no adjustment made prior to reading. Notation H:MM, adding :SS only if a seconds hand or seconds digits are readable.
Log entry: 7:53
